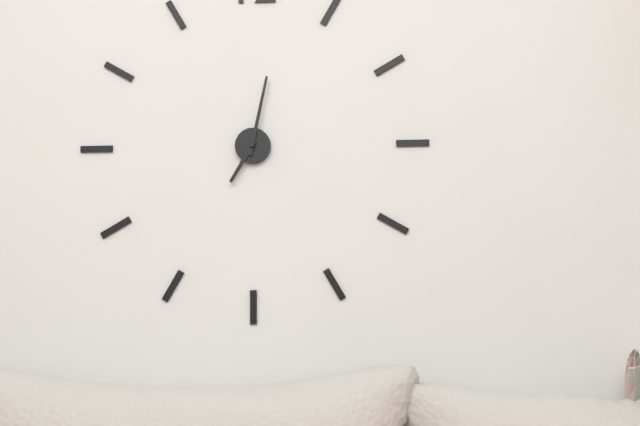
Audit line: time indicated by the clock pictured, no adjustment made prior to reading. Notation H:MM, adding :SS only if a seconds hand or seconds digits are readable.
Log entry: 7:02
